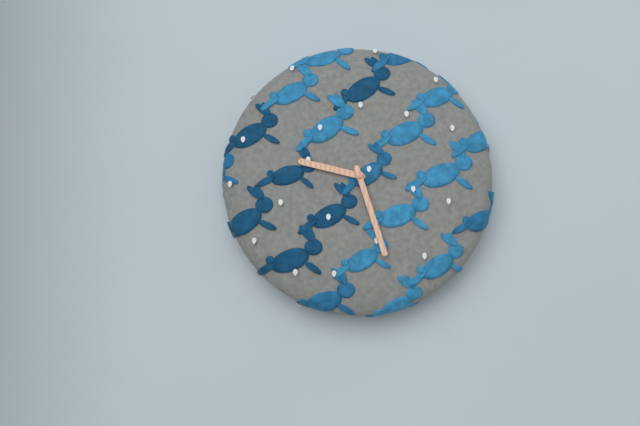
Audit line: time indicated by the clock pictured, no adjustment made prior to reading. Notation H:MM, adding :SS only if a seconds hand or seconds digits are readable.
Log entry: 9:27
